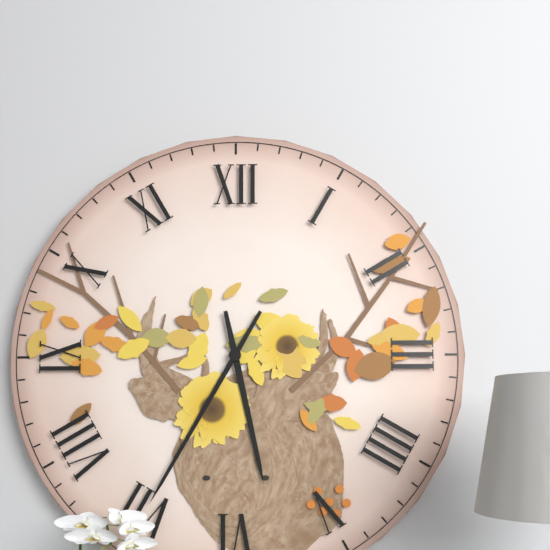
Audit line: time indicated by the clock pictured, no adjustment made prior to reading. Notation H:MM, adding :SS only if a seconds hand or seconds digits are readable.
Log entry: 5:35
